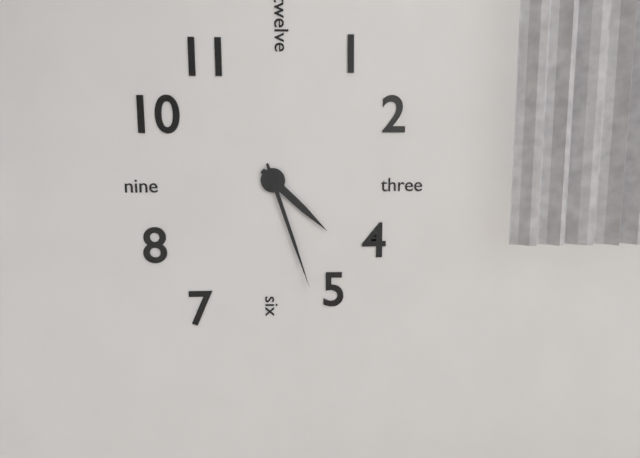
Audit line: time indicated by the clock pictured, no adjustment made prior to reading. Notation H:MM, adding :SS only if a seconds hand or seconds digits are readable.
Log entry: 4:27
